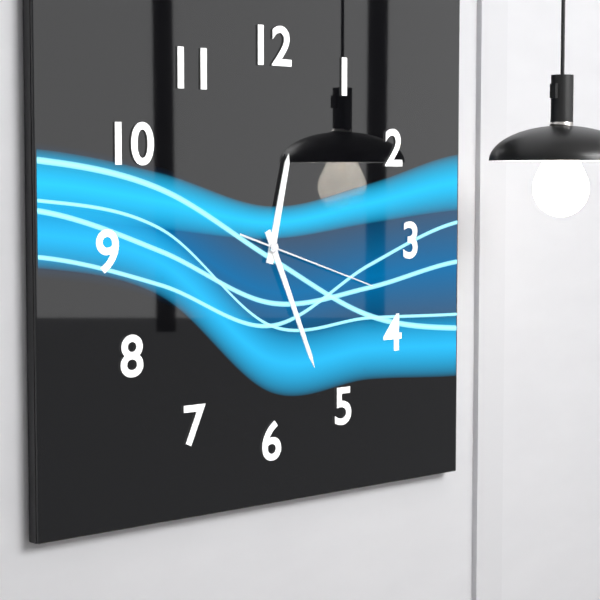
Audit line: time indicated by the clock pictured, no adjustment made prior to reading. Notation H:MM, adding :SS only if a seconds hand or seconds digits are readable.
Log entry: 12:26:18
